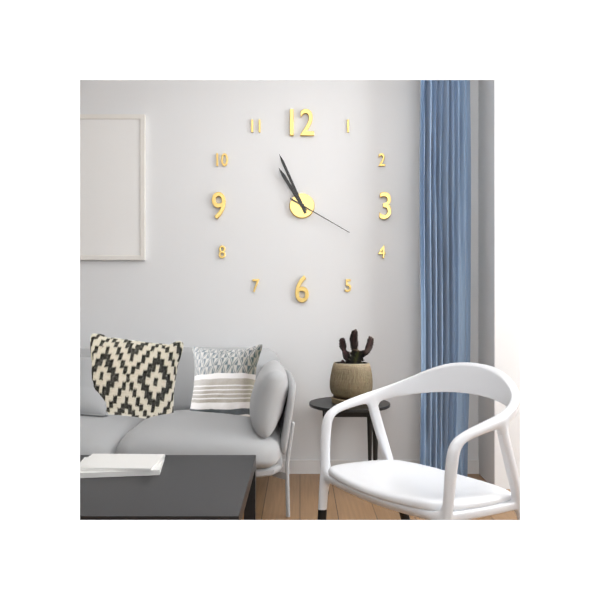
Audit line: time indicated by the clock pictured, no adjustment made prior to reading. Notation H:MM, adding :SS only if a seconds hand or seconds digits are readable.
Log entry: 10:56:20
